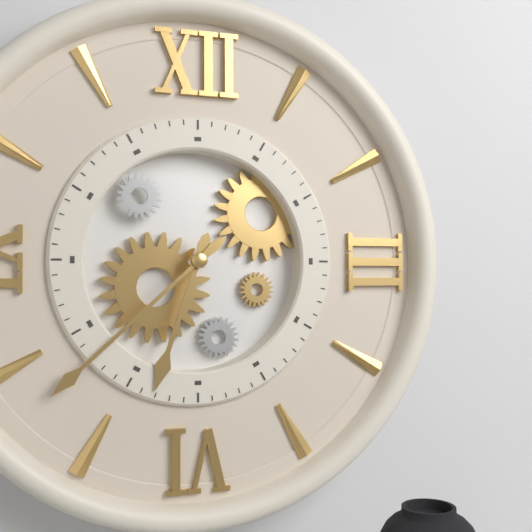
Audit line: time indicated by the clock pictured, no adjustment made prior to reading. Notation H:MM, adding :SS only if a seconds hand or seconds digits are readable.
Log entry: 6:38
